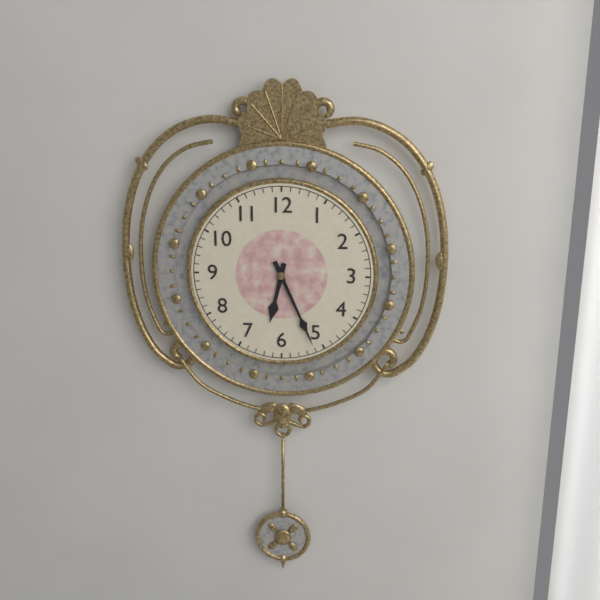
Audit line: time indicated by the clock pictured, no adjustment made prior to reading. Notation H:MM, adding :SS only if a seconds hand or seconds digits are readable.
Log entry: 6:26
